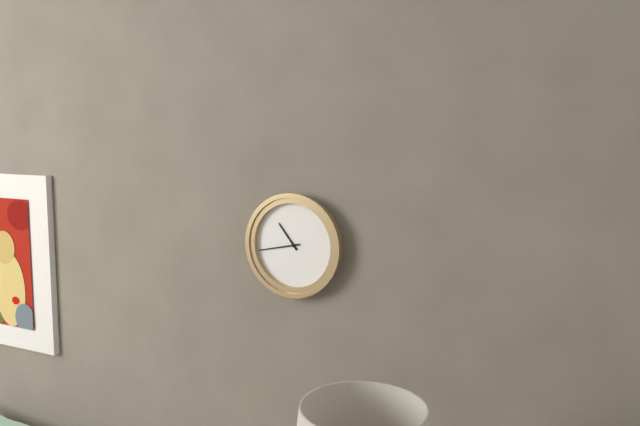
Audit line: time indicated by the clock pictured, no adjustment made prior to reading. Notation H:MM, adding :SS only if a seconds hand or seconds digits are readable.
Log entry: 10:43
